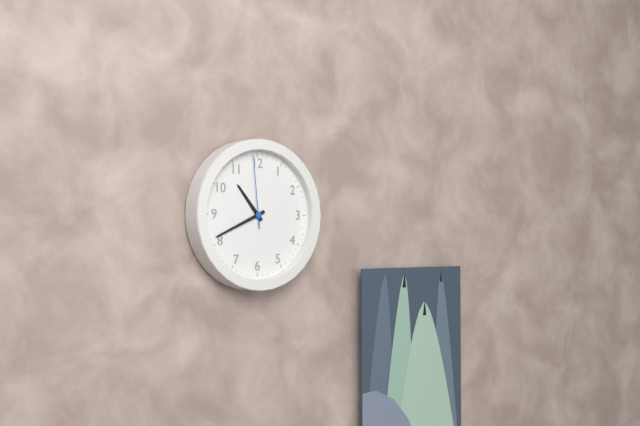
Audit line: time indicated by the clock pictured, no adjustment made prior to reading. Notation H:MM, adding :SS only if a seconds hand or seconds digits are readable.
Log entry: 10:41:59
